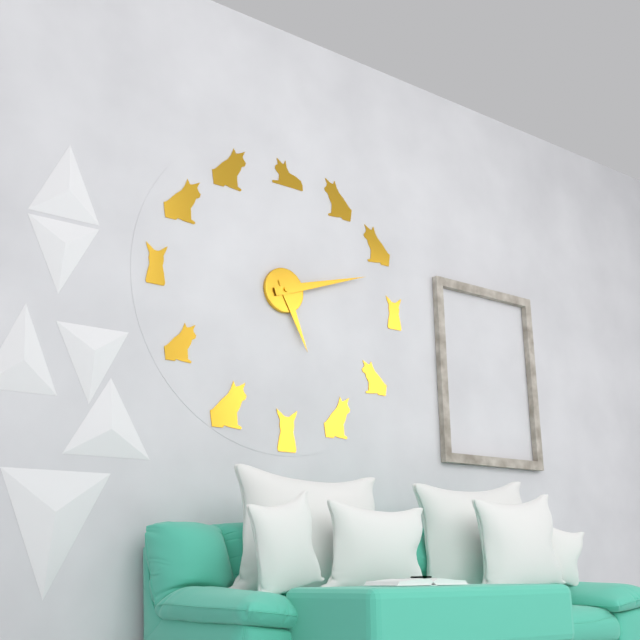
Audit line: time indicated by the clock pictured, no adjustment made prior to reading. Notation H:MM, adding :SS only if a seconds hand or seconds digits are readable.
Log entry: 5:12
